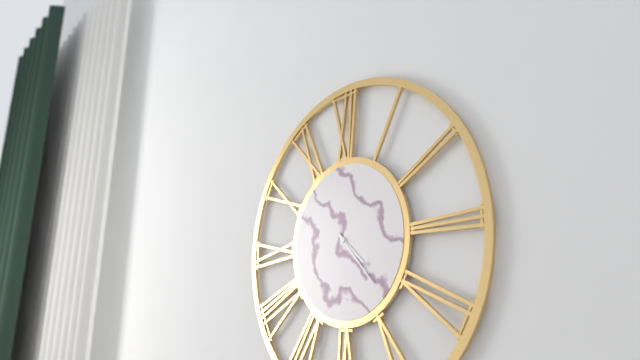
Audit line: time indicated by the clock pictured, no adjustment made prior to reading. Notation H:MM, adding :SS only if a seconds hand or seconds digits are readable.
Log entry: 4:23
